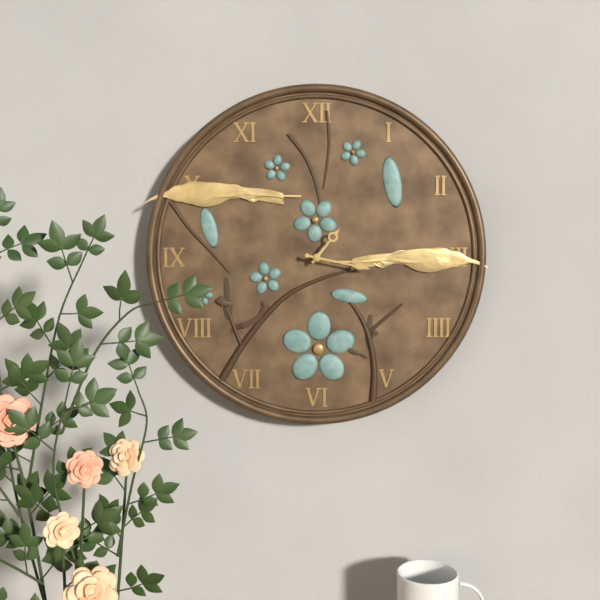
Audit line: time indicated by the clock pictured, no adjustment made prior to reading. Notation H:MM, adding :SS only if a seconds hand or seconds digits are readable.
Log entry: 1:17
